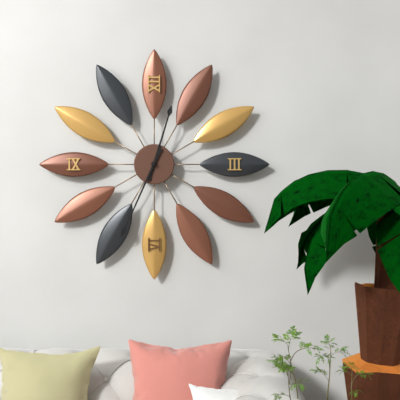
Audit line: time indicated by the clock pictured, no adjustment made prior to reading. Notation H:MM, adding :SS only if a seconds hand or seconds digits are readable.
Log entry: 12:34
